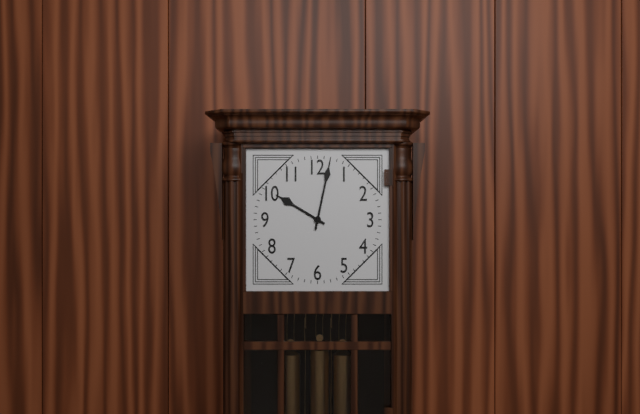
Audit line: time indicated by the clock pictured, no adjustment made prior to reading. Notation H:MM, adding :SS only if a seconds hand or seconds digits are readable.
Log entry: 10:02
